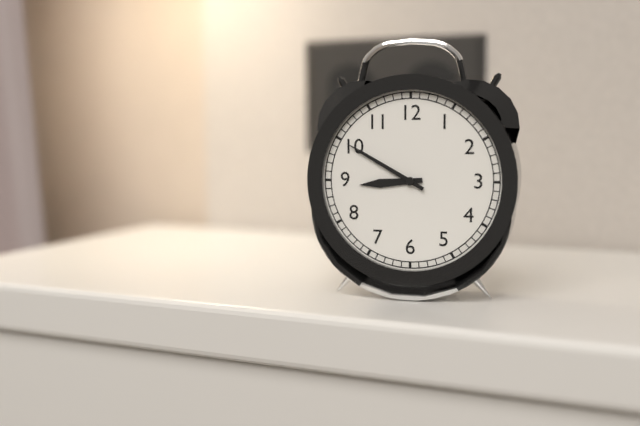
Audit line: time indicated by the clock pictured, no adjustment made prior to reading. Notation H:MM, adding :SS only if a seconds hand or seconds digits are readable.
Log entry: 8:50
